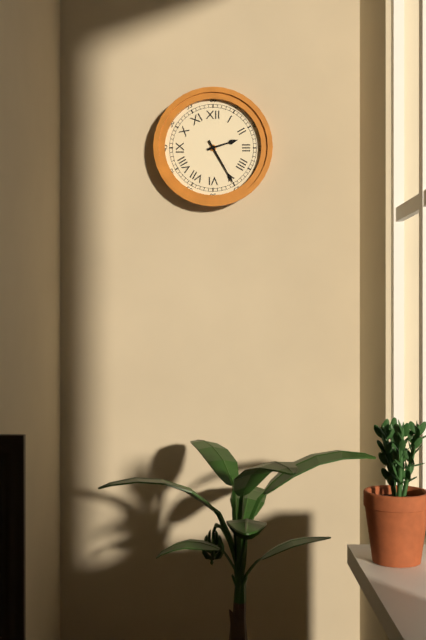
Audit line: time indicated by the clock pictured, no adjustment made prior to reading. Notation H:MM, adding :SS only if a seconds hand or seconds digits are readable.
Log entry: 2:25
